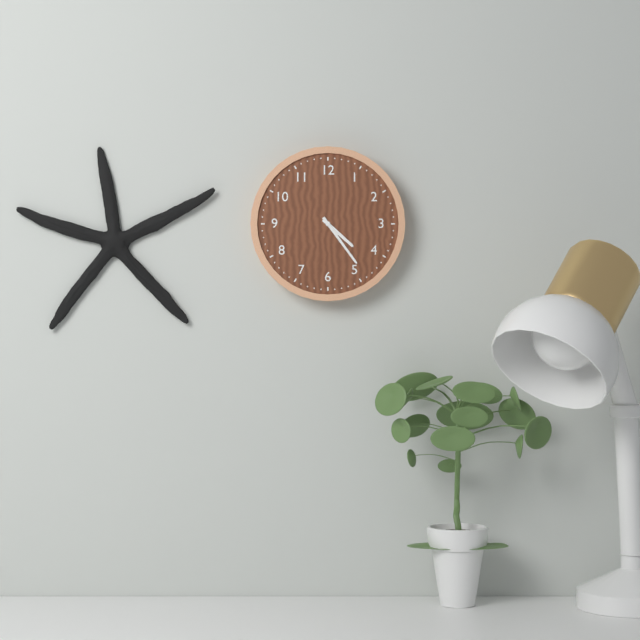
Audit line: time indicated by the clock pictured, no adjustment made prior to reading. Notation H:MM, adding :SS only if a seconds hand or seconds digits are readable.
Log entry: 4:24
